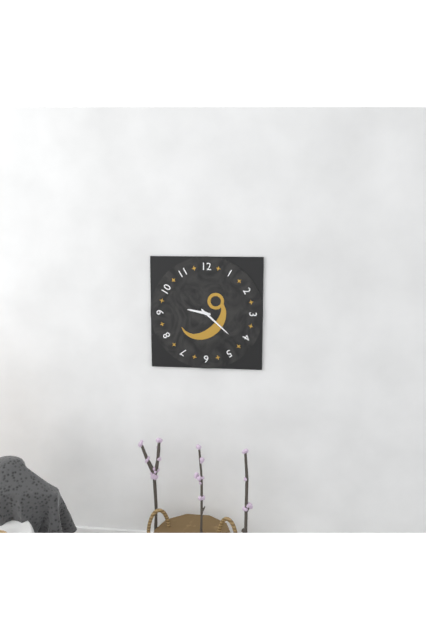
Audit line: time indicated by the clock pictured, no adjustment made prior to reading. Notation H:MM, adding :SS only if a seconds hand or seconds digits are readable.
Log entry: 9:22
